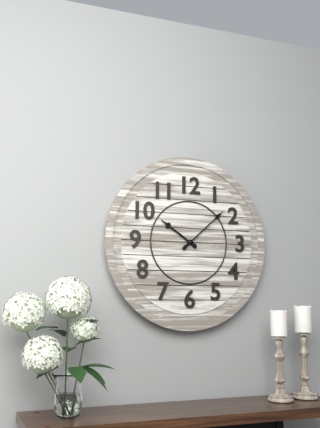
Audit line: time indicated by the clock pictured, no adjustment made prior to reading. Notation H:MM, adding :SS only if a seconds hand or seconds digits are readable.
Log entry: 10:08
